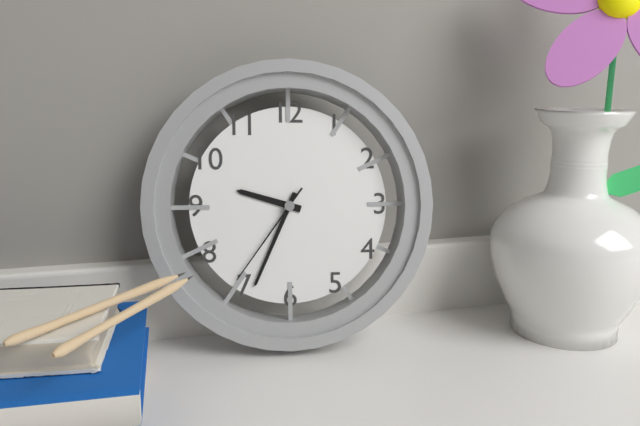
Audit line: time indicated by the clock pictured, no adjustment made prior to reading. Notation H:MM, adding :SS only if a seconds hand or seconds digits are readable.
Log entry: 9:34:36
